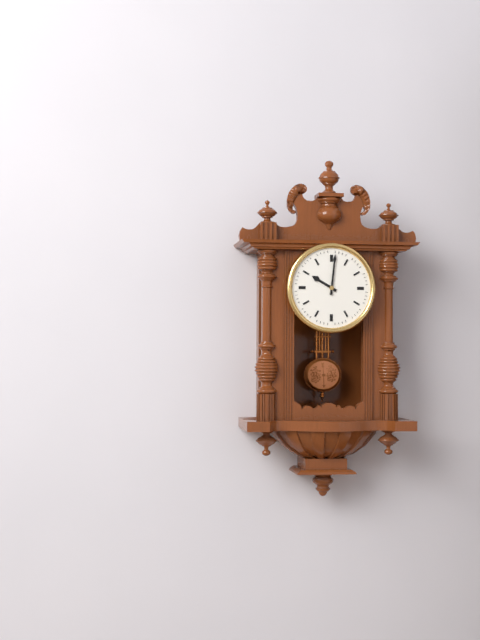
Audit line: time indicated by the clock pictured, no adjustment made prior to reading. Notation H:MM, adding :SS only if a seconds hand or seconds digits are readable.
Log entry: 10:01
